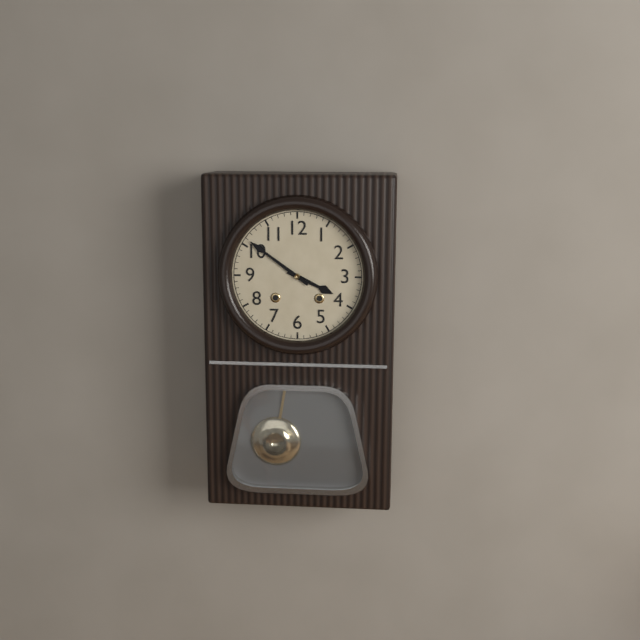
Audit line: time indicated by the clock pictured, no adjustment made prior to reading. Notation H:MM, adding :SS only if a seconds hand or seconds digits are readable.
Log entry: 3:51
